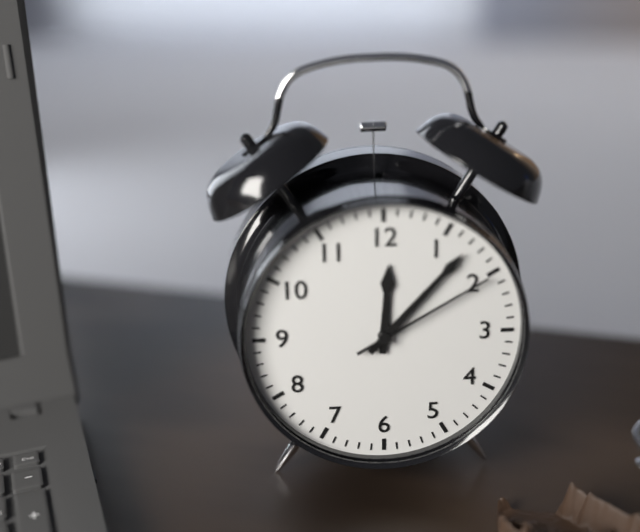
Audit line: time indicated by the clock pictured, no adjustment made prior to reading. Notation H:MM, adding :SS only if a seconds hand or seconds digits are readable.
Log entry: 12:07:10
